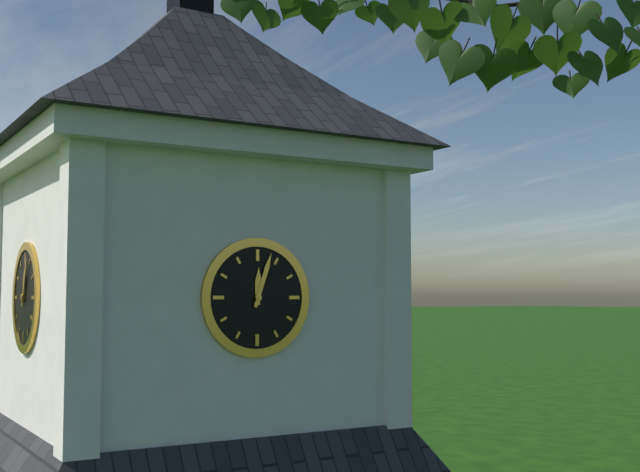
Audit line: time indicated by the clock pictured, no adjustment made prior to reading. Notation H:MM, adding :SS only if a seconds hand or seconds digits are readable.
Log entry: 12:03
